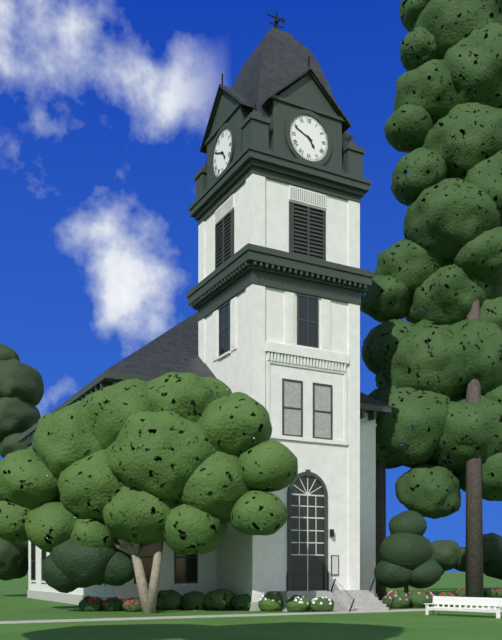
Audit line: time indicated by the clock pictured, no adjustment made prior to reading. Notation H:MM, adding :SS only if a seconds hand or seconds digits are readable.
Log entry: 4:49
